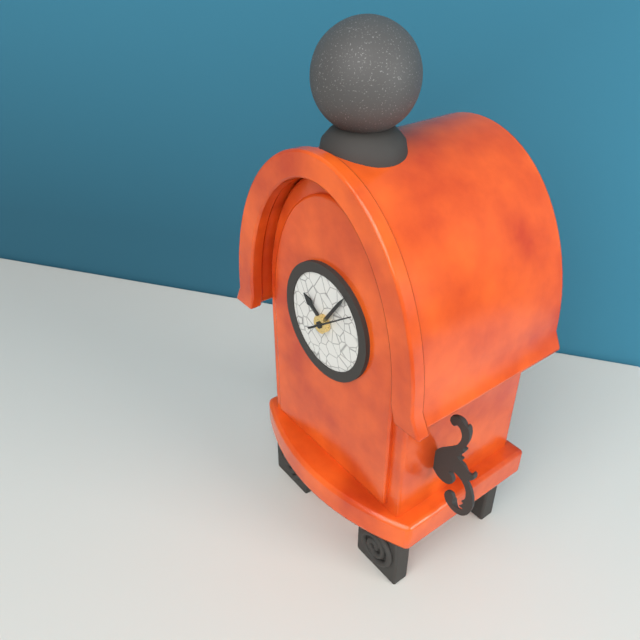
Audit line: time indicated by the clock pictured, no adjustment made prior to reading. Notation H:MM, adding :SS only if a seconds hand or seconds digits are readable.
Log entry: 10:06
